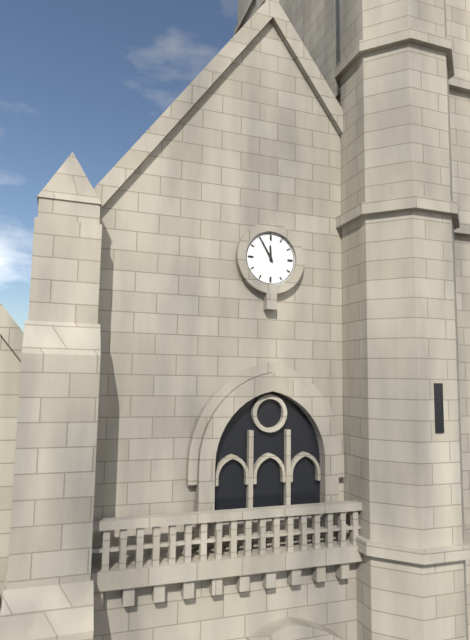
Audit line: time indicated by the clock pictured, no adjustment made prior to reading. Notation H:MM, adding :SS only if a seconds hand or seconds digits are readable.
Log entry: 11:55
